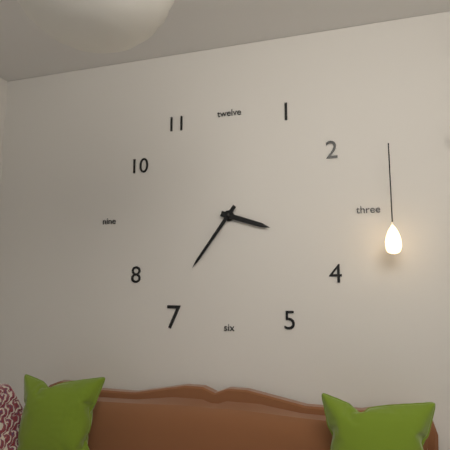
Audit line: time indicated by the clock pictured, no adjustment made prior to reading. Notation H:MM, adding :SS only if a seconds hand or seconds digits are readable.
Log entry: 3:36
